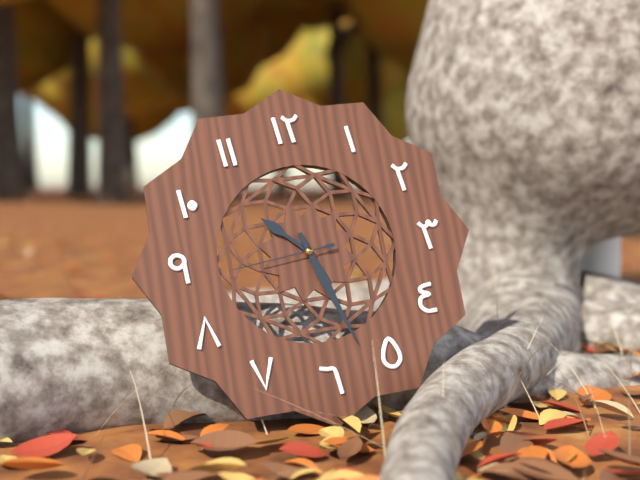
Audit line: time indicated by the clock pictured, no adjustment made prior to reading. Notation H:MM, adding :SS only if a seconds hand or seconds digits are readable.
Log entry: 10:27:44
